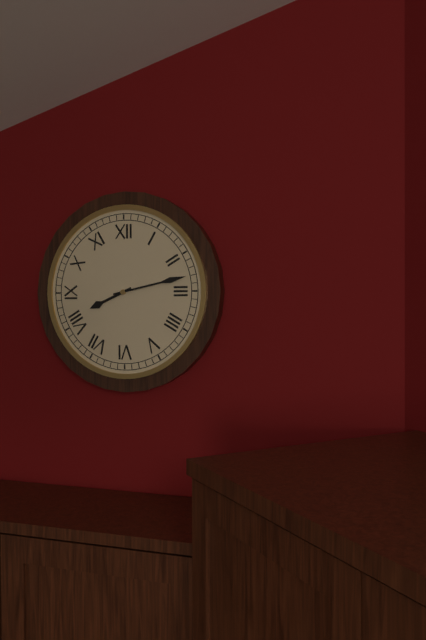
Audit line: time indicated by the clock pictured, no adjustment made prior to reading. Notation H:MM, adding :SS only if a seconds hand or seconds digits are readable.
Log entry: 8:13
